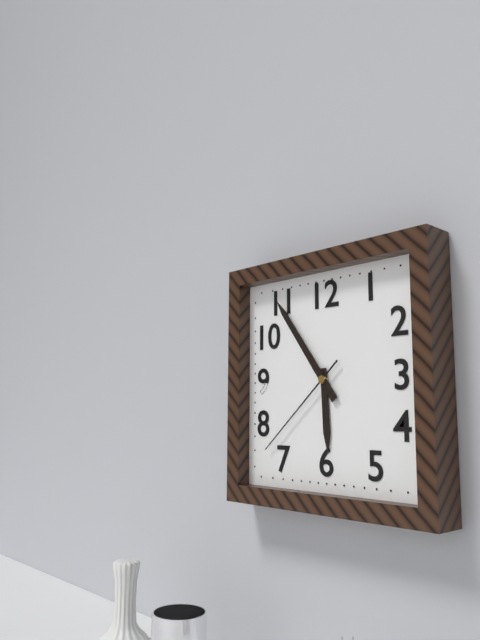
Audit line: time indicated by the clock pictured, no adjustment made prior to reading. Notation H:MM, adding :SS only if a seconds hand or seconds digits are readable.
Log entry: 5:54:38
